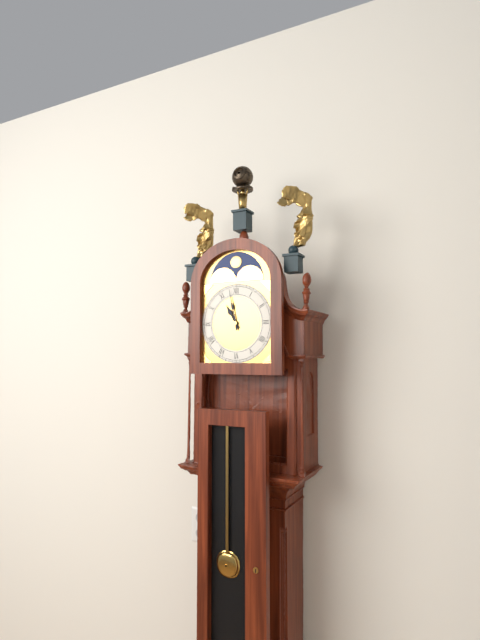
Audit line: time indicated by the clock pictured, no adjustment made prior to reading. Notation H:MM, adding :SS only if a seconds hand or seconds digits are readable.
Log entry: 10:58
